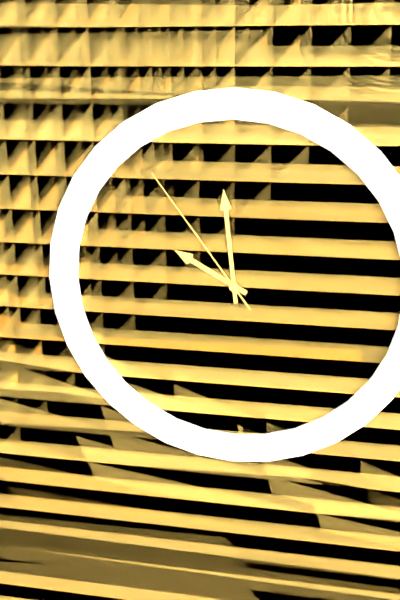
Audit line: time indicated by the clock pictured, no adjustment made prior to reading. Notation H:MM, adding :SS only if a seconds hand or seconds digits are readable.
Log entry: 9:59:54
